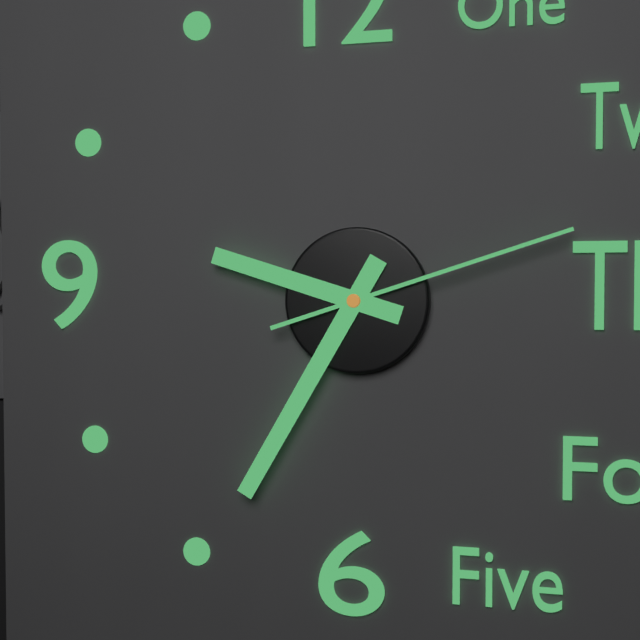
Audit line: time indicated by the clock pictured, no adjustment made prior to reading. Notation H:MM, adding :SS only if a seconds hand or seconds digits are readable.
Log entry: 9:35:12
